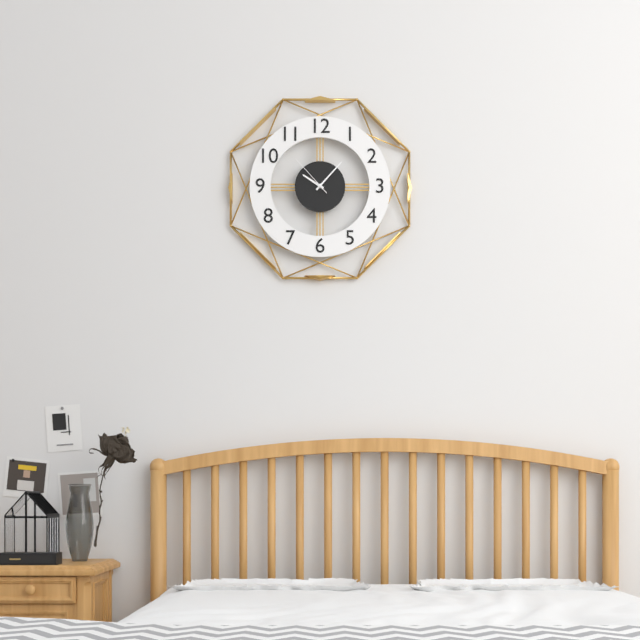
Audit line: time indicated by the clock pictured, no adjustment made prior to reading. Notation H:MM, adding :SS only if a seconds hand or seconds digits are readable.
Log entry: 10:07:53
